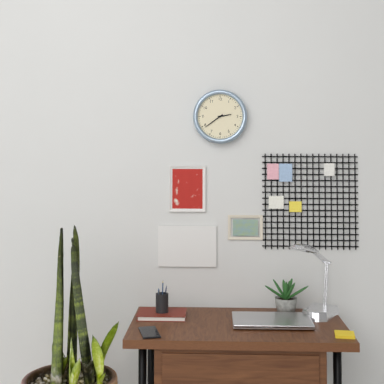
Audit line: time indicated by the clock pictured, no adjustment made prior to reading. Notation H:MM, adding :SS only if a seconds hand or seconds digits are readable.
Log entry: 2:39
